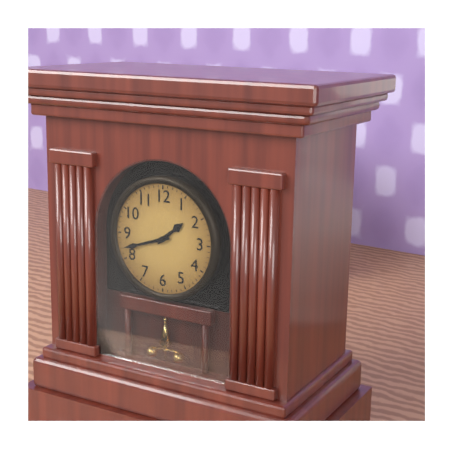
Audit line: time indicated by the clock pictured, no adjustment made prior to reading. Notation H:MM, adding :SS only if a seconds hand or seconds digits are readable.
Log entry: 1:42
